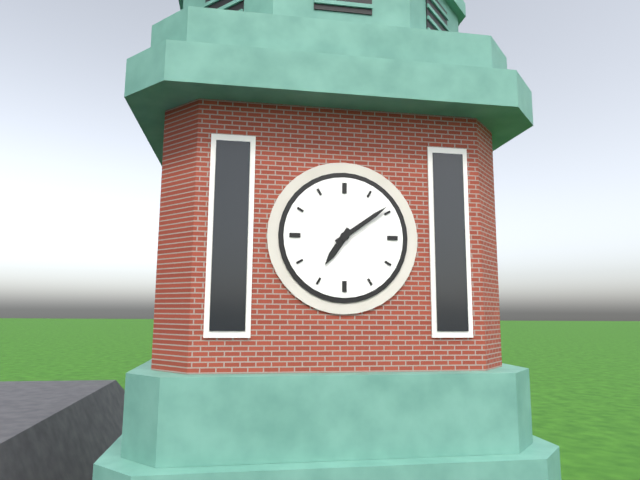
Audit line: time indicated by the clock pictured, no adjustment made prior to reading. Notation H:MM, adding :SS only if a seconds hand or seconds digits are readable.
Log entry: 7:09
